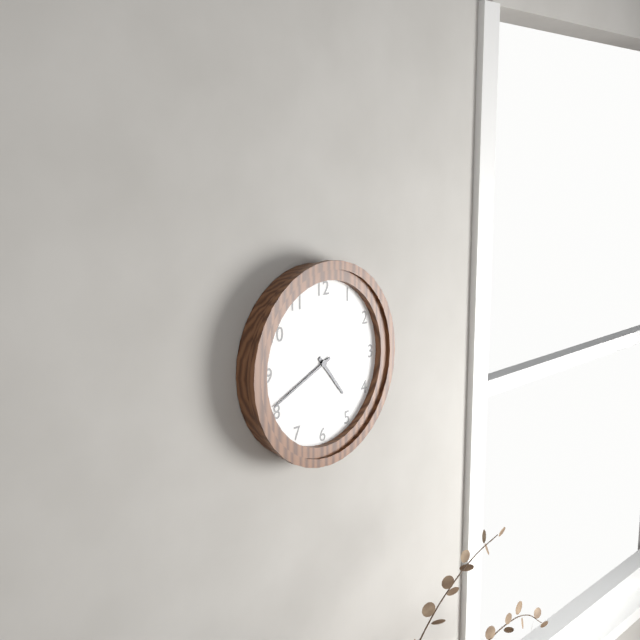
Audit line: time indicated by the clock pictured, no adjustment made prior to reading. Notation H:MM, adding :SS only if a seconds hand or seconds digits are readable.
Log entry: 4:41
